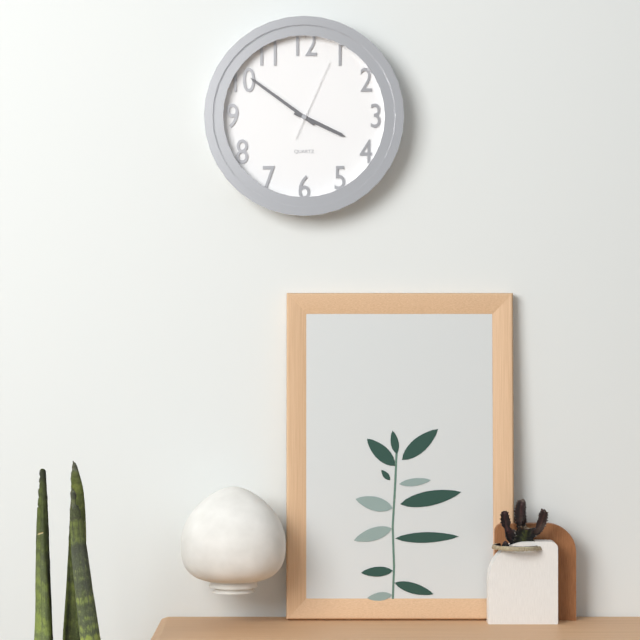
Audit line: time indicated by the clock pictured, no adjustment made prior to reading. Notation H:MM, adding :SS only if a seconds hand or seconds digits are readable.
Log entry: 3:51:04
